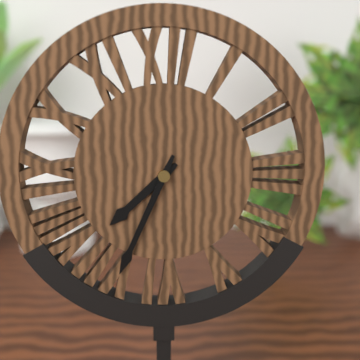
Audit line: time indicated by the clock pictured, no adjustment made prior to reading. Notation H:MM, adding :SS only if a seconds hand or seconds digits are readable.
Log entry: 7:34
